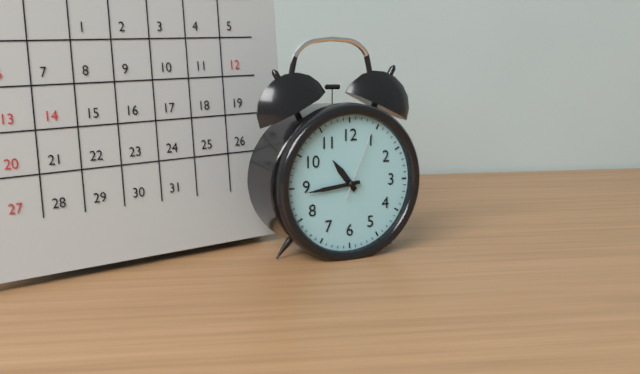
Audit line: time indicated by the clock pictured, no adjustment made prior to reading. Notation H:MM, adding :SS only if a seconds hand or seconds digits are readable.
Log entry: 10:44:04
